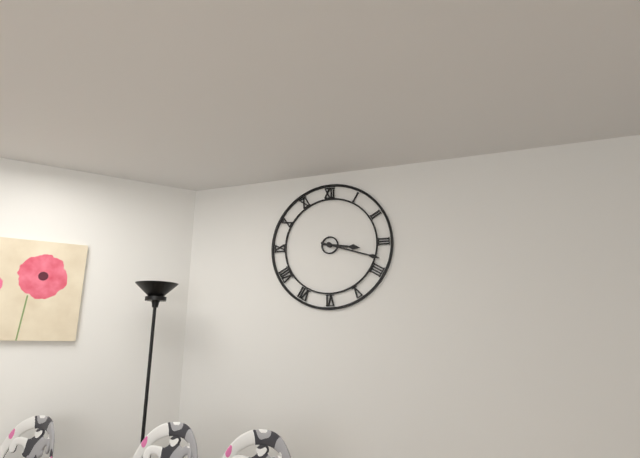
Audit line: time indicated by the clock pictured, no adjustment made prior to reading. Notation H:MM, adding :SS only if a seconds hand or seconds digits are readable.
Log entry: 3:18
